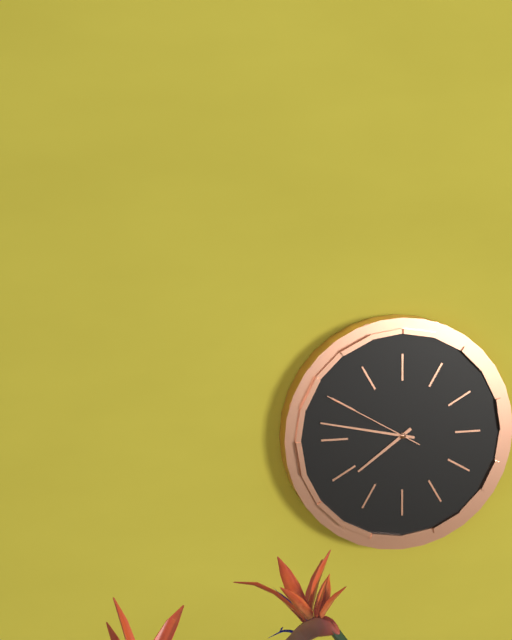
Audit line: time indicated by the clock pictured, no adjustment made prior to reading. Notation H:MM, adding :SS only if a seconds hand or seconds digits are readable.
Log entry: 7:47:50
